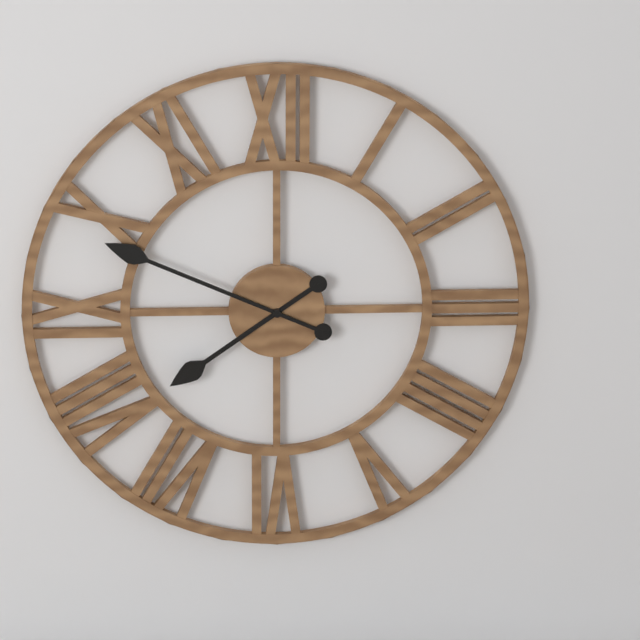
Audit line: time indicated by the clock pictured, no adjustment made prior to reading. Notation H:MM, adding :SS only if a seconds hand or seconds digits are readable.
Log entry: 7:49
